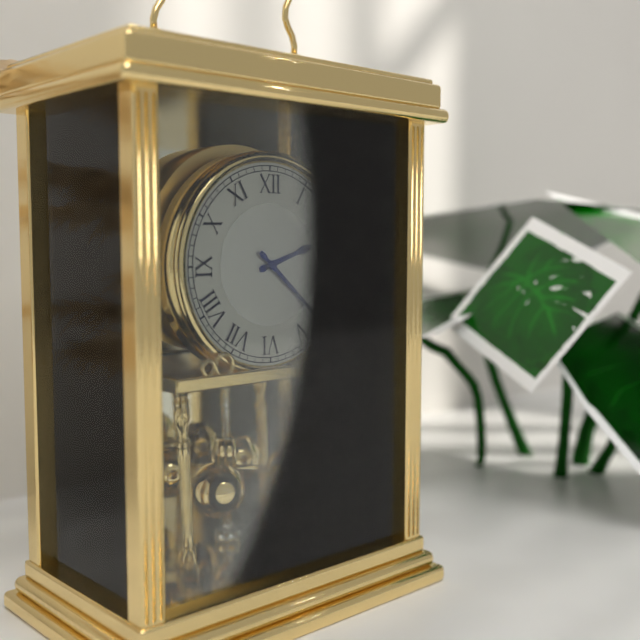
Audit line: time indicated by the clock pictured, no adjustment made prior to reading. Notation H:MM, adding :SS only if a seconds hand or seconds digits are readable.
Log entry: 2:22
